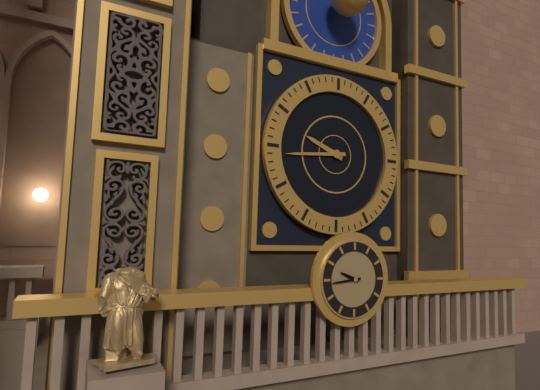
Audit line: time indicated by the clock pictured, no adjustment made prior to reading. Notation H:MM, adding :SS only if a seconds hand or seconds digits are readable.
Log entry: 9:44
